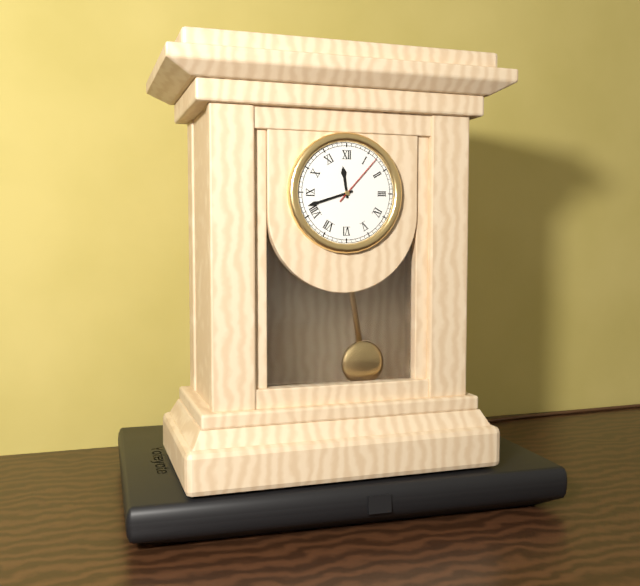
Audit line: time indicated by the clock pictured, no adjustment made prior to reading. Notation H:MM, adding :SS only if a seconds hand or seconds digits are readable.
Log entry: 11:42:07
